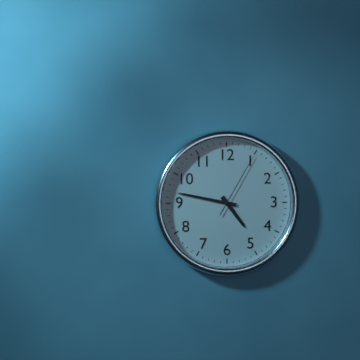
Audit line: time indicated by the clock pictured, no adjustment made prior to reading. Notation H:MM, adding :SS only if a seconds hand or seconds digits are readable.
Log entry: 4:47:05
